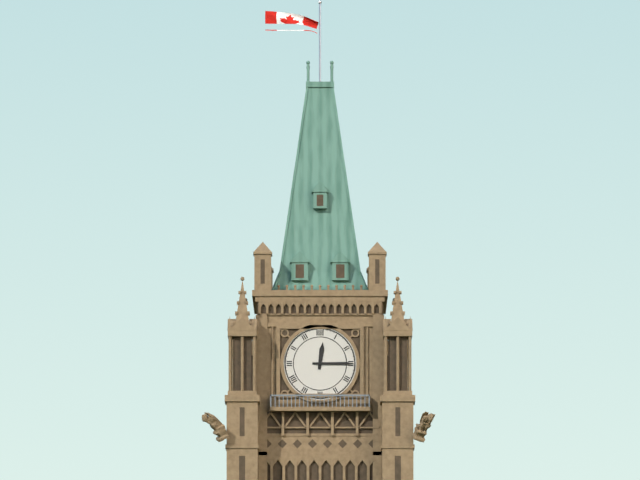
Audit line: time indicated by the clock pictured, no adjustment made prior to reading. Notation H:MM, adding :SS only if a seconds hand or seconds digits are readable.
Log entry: 12:15
